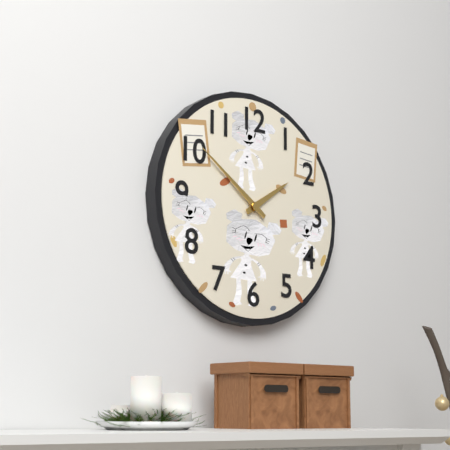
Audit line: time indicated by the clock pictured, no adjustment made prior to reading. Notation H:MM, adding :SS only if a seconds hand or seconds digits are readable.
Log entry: 1:51
